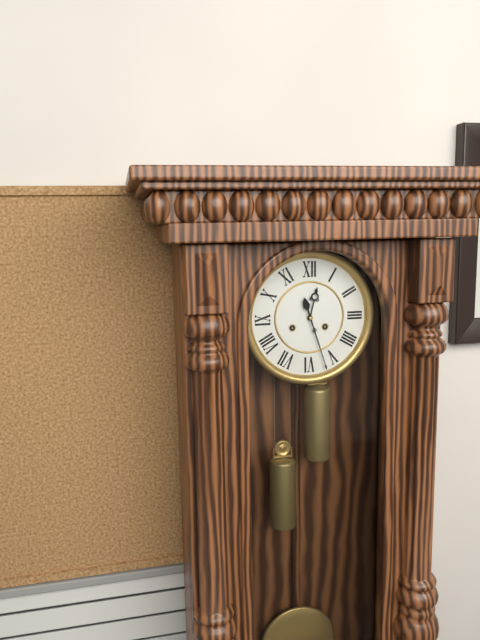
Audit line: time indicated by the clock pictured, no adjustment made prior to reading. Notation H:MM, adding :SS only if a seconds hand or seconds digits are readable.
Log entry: 12:27
